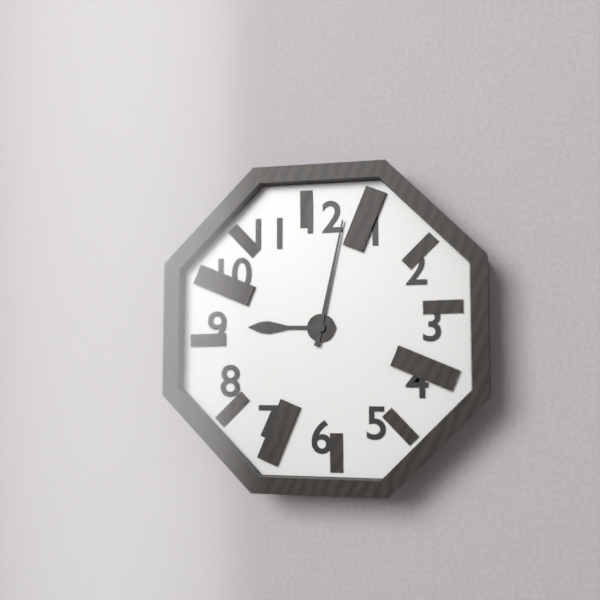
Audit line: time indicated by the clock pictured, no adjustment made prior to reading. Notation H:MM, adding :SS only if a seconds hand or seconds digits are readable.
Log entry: 9:02
